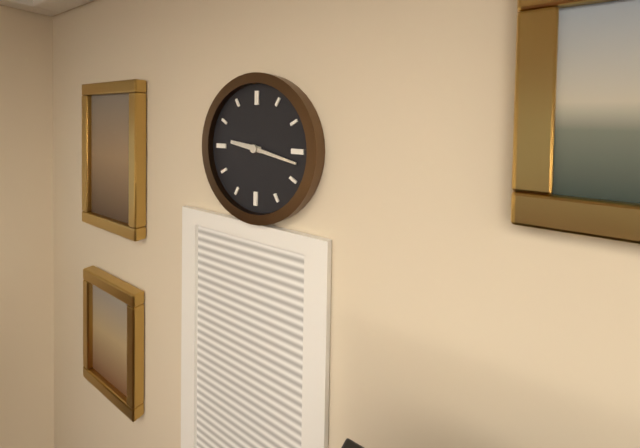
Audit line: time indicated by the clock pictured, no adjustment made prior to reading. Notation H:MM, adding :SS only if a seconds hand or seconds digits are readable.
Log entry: 9:17
